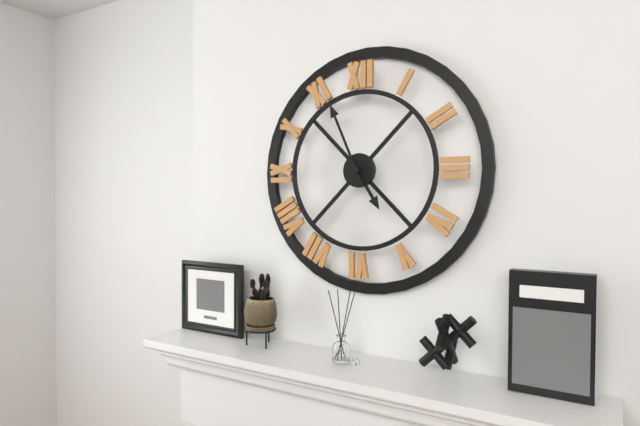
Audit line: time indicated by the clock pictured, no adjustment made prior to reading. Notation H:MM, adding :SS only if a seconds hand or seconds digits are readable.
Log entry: 4:56
